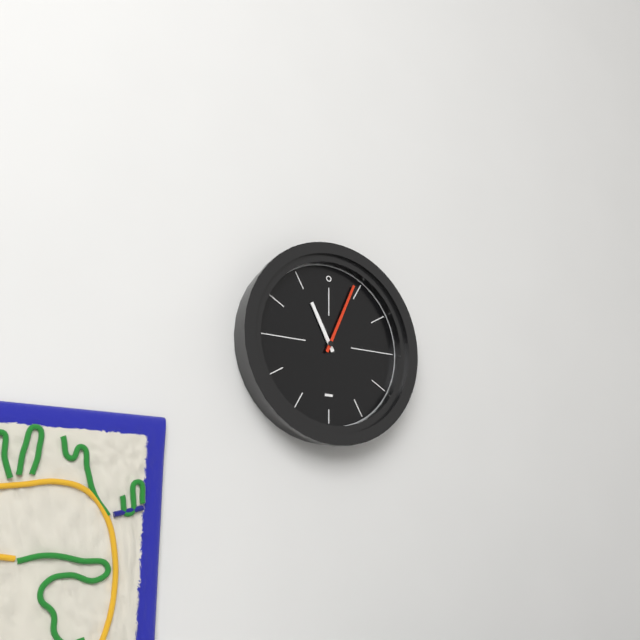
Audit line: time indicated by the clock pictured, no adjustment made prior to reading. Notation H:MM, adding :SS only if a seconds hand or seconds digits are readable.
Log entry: 11:04
